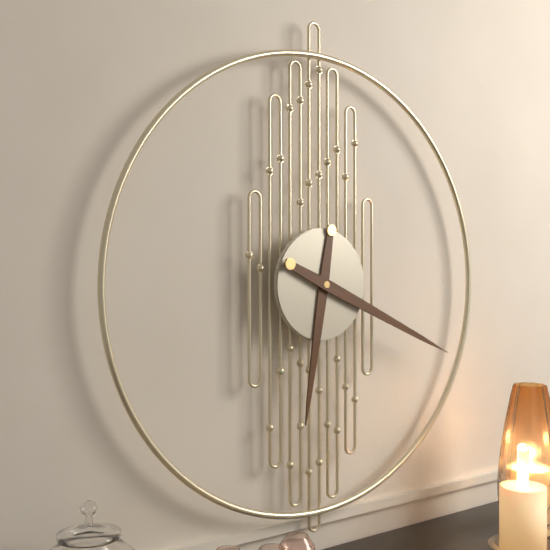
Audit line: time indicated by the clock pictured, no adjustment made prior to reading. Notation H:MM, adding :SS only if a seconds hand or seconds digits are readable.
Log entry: 6:19
